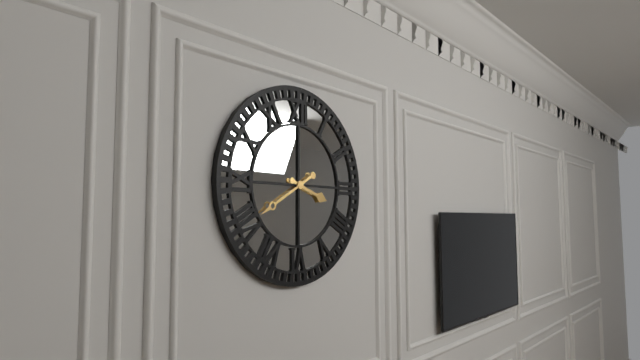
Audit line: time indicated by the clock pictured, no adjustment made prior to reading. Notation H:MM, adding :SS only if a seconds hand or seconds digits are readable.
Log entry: 3:40
